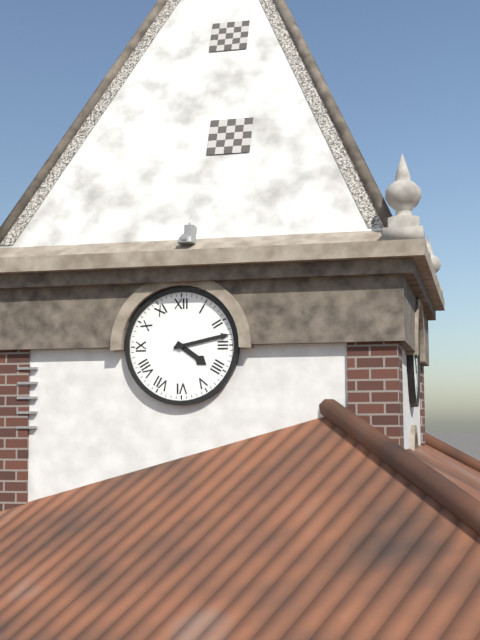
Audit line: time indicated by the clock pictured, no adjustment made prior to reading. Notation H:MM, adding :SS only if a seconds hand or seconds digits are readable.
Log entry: 4:13
